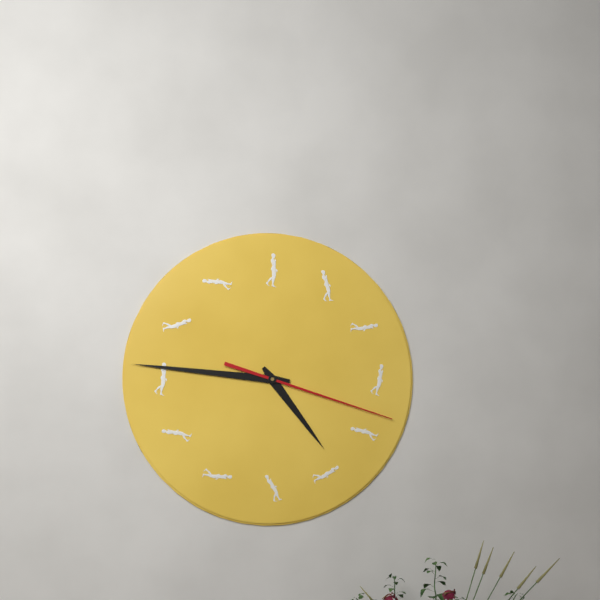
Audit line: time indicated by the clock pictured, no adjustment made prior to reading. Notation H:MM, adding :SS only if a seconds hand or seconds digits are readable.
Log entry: 4:46:18
